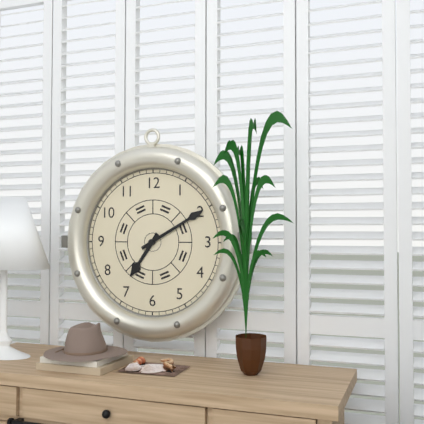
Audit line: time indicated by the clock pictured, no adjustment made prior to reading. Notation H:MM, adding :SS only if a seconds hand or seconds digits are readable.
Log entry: 7:10
